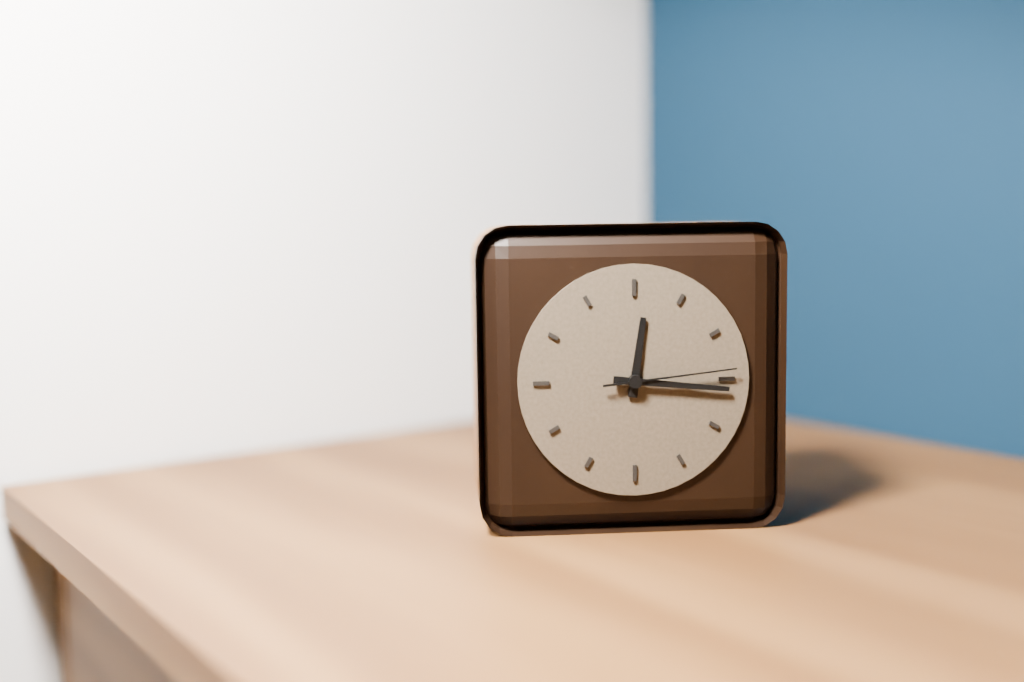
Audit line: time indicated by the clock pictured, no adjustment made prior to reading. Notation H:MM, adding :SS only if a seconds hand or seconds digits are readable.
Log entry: 12:16:14
